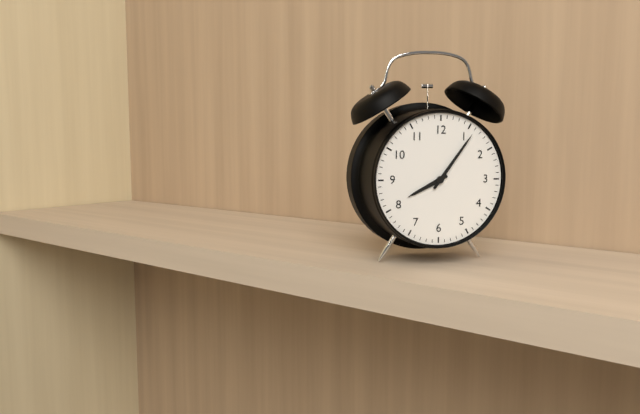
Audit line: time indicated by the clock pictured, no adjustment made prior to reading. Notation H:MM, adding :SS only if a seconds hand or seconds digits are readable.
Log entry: 8:06
